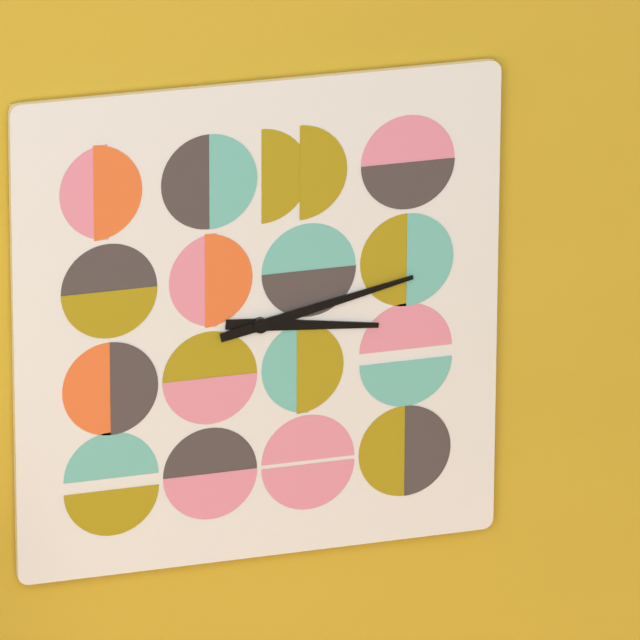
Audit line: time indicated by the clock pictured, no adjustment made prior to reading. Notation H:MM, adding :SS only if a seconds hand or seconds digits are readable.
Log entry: 3:13
